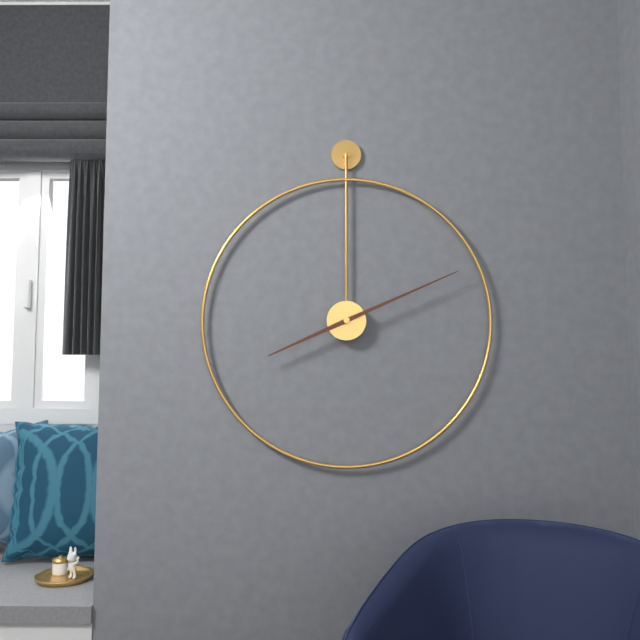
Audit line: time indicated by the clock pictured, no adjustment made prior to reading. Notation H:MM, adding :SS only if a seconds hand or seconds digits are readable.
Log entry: 8:11
